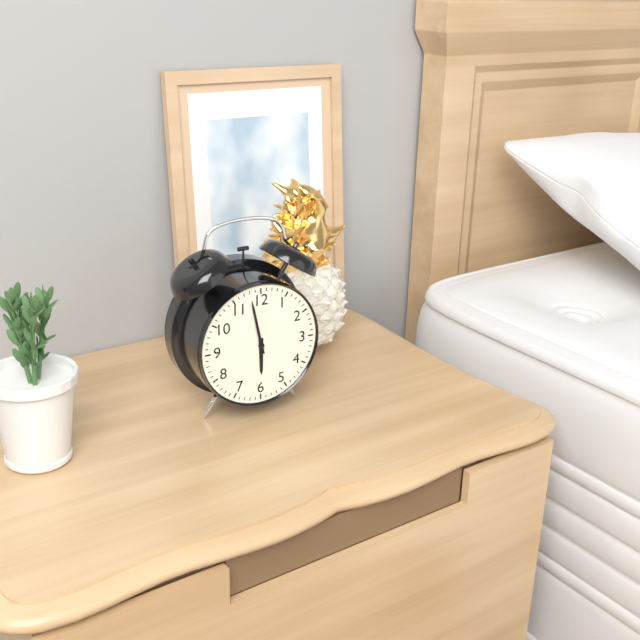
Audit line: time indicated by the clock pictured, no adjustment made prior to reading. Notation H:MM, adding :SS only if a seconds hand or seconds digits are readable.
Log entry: 5:58
